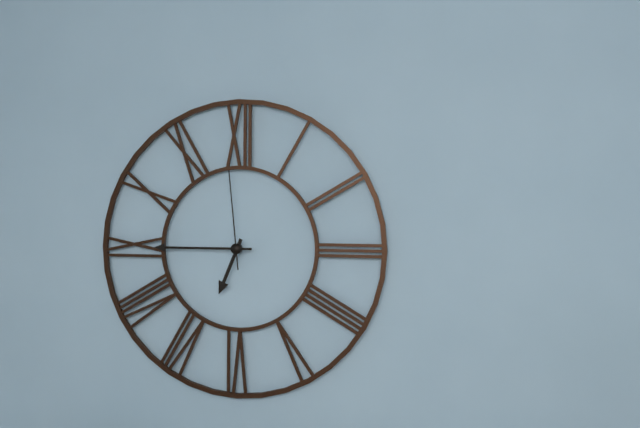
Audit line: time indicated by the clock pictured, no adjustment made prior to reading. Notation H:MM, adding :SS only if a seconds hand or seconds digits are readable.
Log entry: 6:45:59
